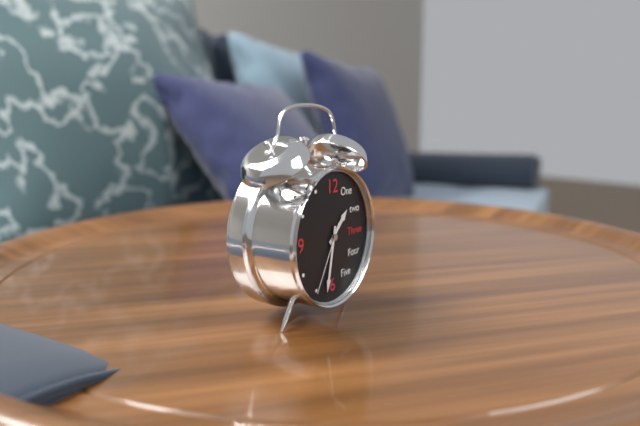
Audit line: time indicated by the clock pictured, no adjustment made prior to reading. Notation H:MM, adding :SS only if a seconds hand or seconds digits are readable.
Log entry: 1:32:35
